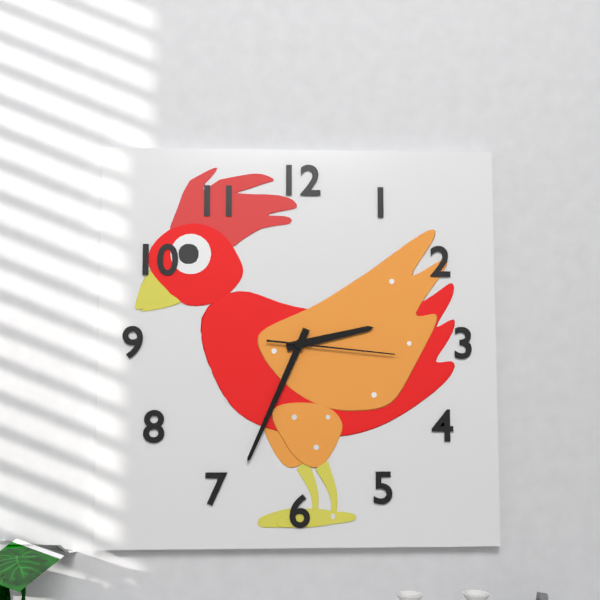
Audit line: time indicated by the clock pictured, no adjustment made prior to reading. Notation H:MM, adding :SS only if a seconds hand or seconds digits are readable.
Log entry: 2:34:16
